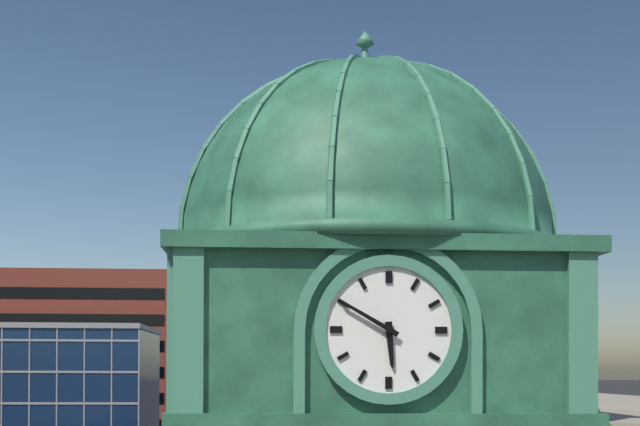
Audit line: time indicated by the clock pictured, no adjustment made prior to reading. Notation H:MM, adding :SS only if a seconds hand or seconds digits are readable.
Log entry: 5:50
